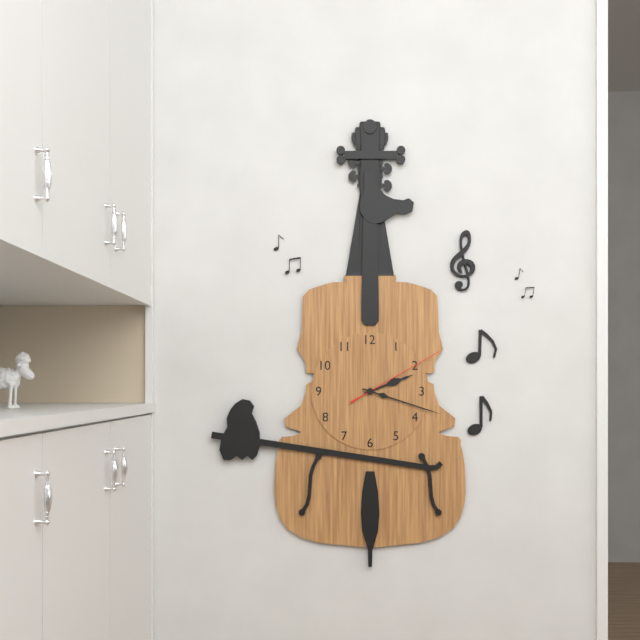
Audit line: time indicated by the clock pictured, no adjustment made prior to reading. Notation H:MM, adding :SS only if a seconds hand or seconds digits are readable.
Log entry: 2:18:10
